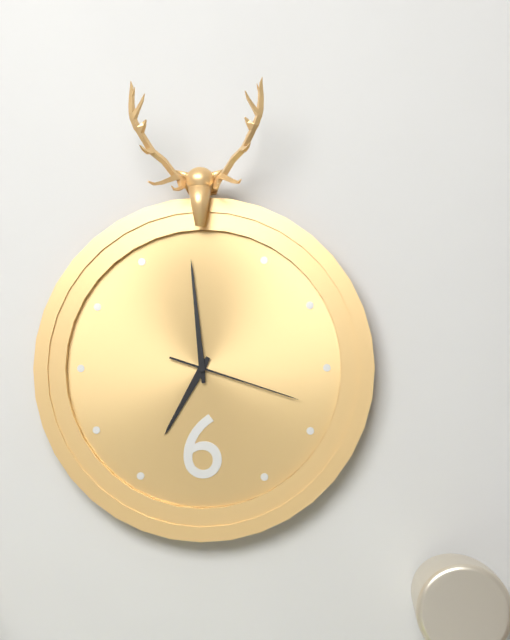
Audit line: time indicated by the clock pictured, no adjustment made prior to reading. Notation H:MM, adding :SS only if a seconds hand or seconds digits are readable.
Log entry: 6:59:18
